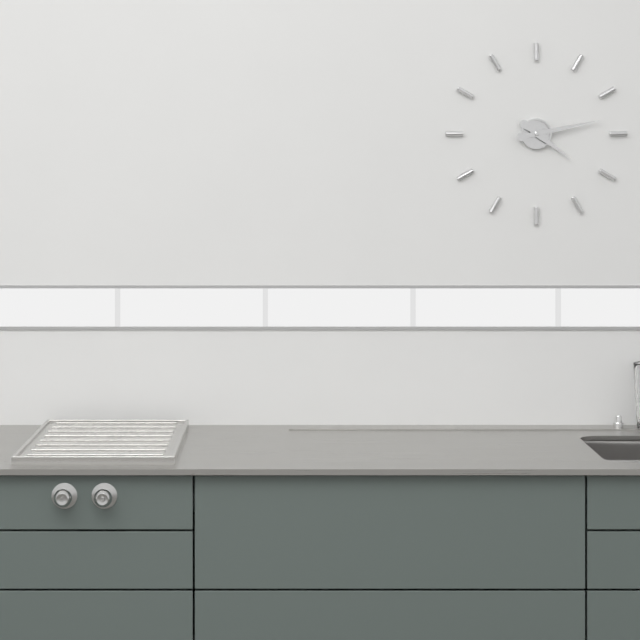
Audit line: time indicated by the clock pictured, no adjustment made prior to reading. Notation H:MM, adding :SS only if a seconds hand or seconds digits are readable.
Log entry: 4:13
